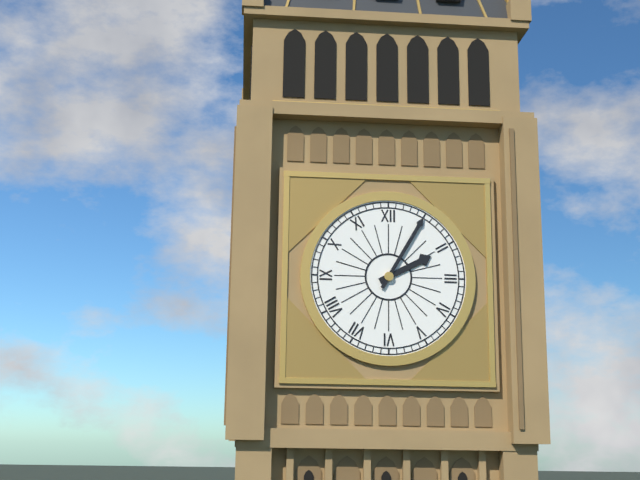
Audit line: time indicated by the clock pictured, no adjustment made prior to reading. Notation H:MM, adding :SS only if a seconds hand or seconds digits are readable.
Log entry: 2:05
